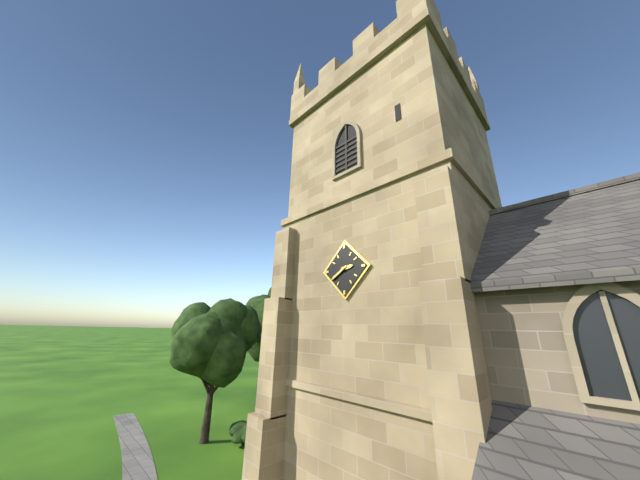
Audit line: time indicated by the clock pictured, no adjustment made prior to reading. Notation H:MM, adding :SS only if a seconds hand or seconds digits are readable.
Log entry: 2:40
